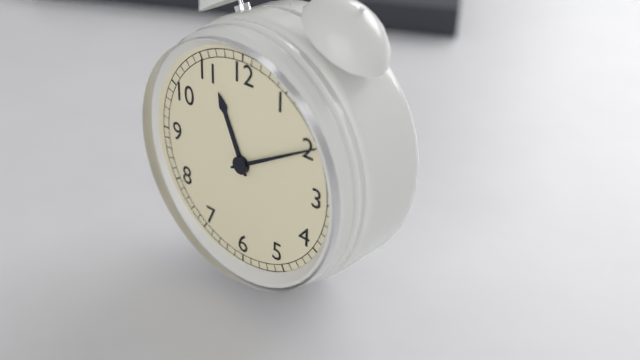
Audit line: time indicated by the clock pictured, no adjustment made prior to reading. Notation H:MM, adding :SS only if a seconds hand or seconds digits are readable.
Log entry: 11:10
